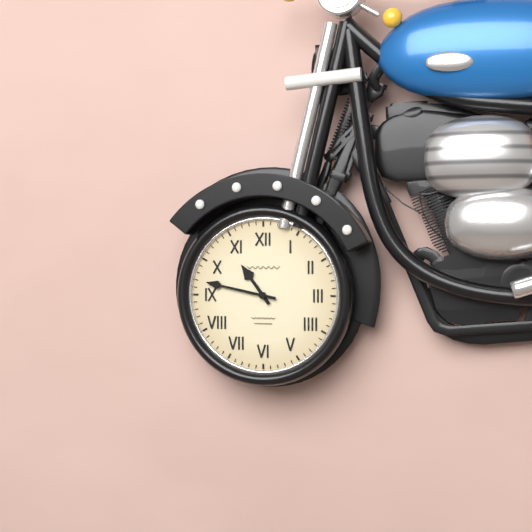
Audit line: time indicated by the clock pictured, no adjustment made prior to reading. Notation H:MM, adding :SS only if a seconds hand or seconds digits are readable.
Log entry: 10:47
